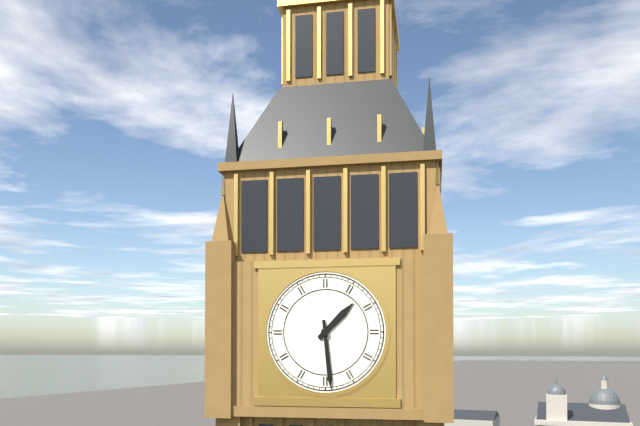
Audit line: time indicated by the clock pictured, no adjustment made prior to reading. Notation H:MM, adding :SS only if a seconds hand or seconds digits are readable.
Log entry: 1:29
